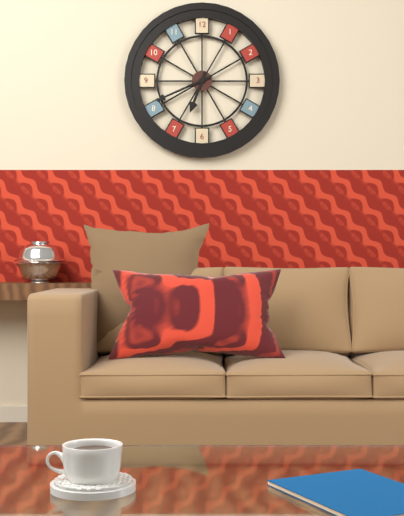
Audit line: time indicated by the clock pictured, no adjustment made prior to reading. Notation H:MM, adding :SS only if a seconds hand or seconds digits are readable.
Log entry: 6:41
